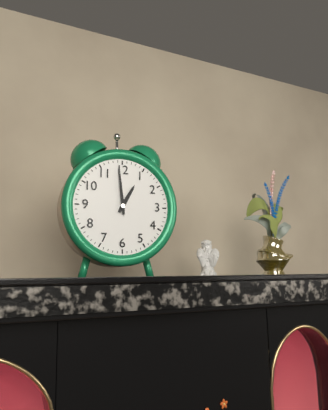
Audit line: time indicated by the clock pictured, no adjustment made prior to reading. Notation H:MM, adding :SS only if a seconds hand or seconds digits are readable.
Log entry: 12:59
